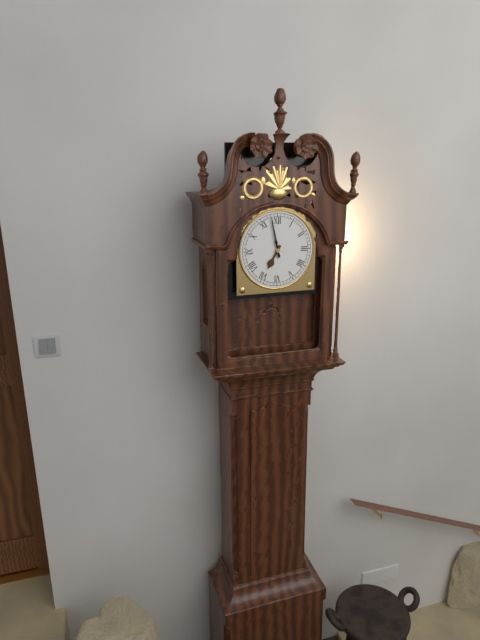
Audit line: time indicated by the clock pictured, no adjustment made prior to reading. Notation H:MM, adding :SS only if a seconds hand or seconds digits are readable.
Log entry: 6:58
